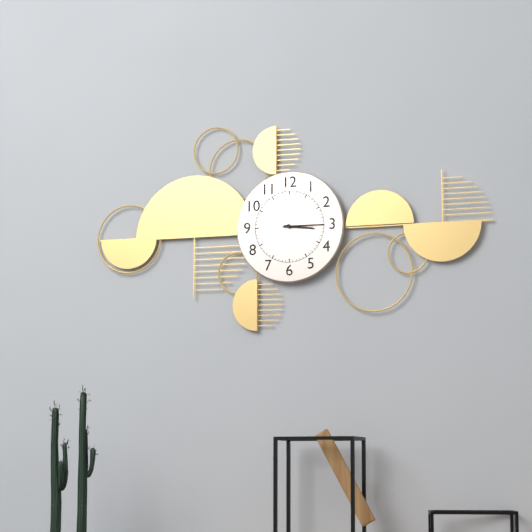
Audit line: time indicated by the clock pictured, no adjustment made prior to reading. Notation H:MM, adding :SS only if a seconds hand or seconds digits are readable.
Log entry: 3:15
